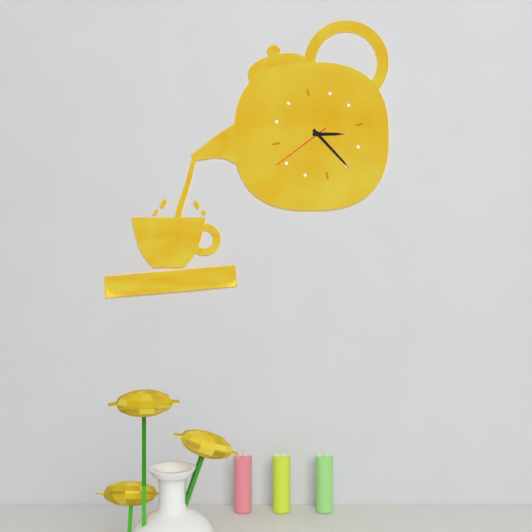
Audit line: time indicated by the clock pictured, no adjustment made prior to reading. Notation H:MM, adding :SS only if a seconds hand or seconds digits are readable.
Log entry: 3:25:41
